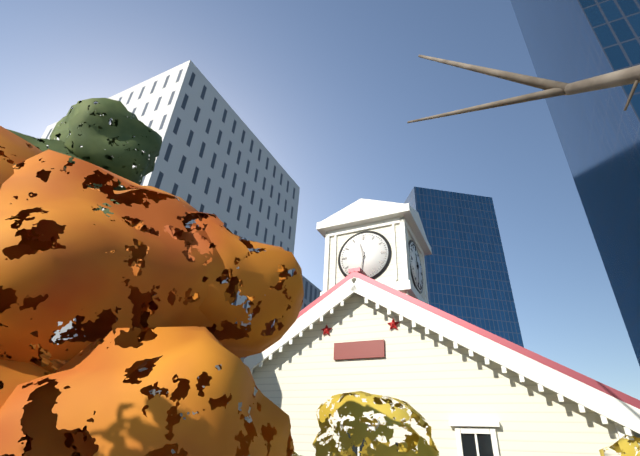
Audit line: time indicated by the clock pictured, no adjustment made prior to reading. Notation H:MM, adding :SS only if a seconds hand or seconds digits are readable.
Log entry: 11:31
